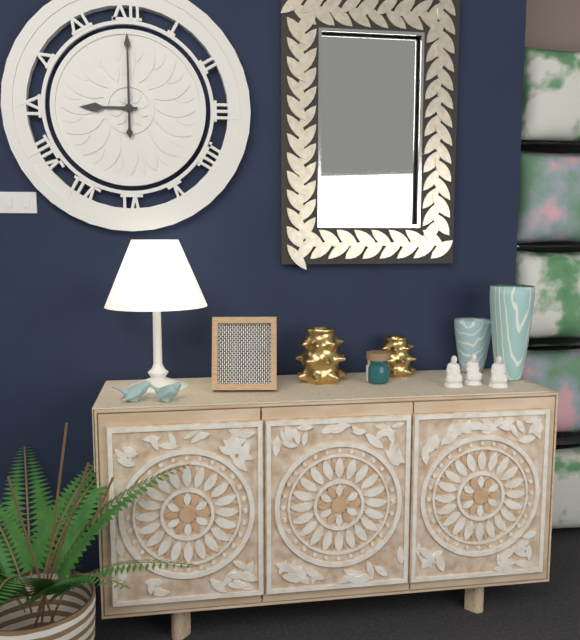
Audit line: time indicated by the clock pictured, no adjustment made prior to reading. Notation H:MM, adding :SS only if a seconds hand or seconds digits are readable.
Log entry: 9:00
